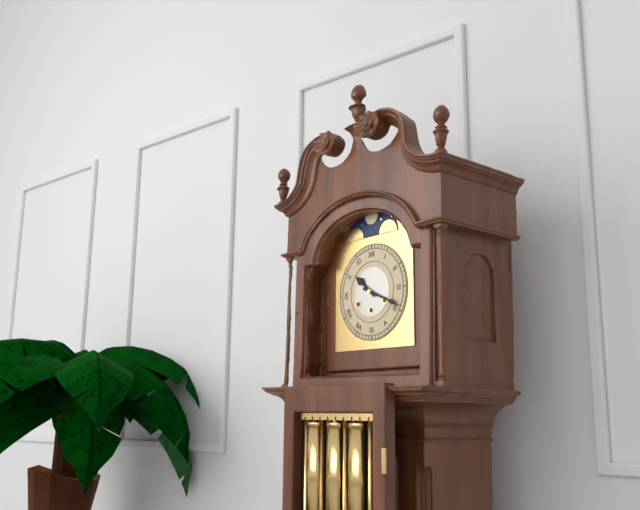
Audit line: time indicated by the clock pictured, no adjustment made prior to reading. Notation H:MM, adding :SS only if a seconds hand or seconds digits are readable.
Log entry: 10:19
